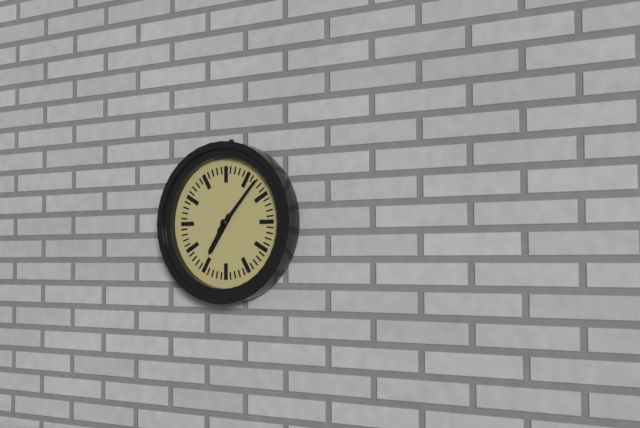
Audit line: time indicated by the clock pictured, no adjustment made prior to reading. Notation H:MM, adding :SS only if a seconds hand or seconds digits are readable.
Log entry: 7:07
